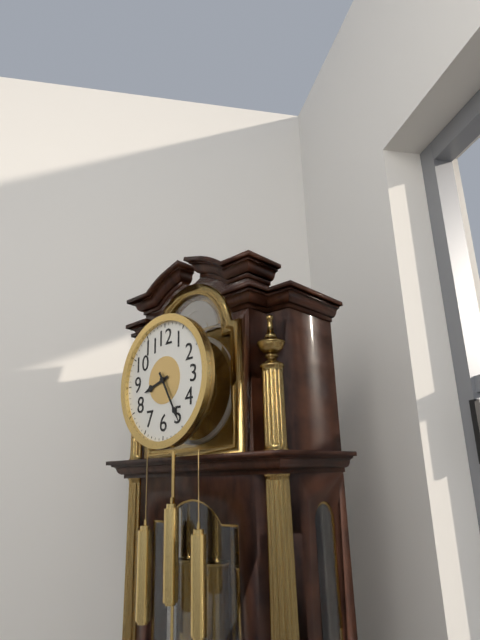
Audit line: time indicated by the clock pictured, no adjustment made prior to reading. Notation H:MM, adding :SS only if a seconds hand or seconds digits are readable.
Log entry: 8:25
